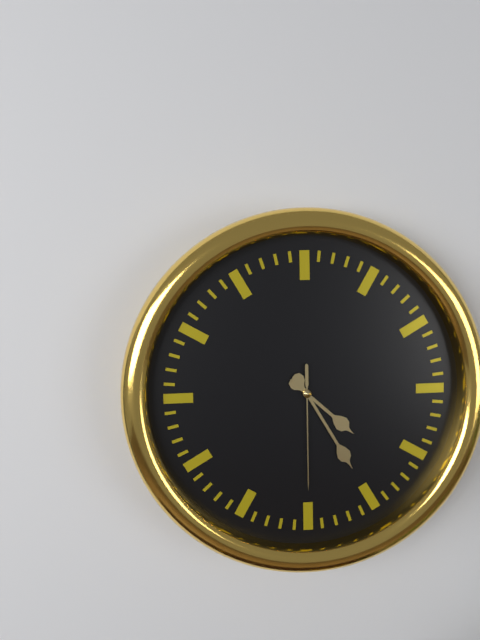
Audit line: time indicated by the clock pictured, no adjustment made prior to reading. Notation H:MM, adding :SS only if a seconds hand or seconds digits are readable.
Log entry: 4:25:30
